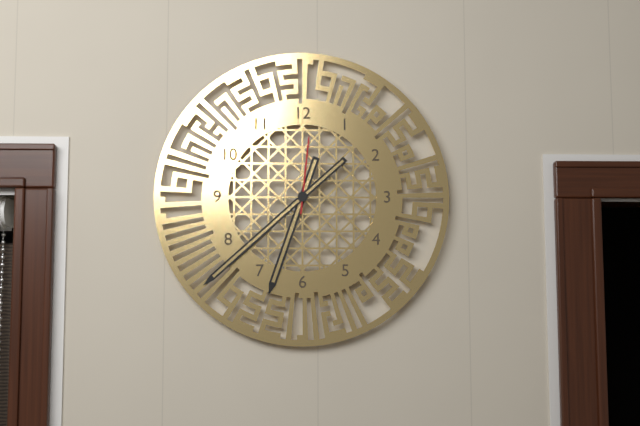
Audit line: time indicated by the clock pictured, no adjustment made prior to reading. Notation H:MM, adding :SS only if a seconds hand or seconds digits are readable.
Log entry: 6:38:01
